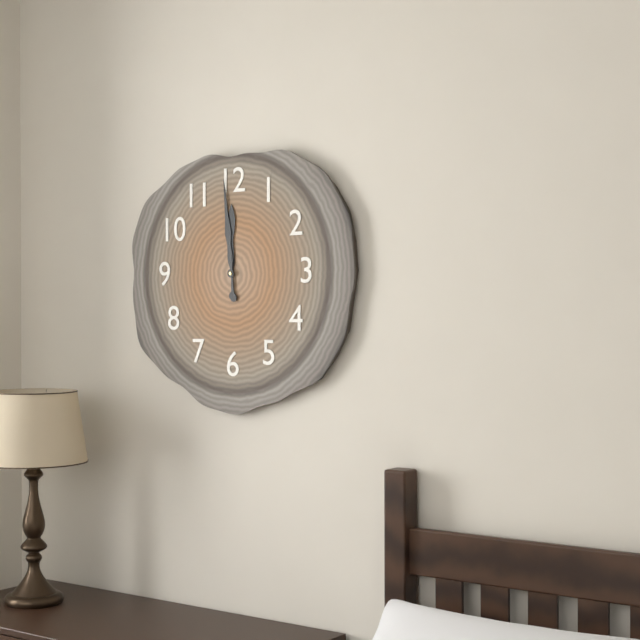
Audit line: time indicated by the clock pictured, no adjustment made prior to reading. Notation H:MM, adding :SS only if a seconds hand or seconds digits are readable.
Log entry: 11:59
